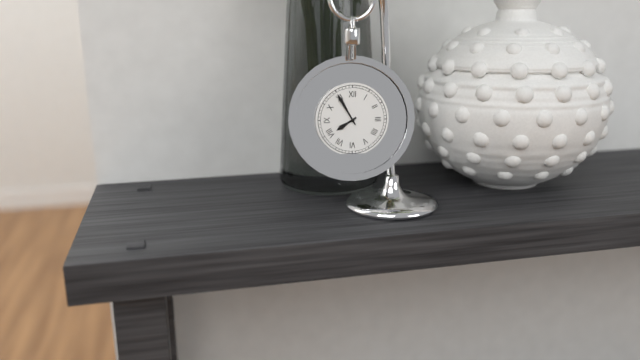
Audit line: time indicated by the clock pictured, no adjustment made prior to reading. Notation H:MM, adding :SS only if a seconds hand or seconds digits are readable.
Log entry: 7:55
